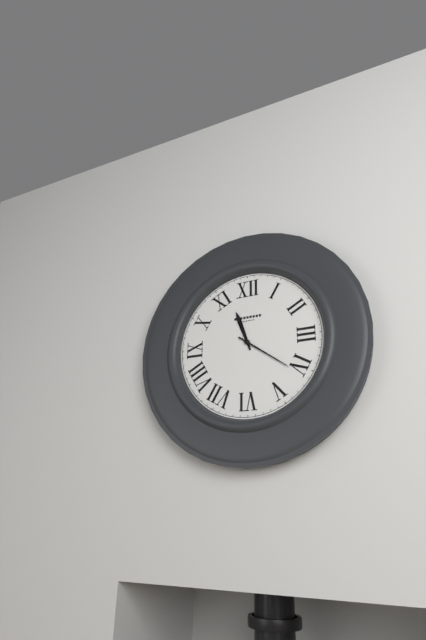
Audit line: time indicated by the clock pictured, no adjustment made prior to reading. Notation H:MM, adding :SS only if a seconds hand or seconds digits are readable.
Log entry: 11:21
